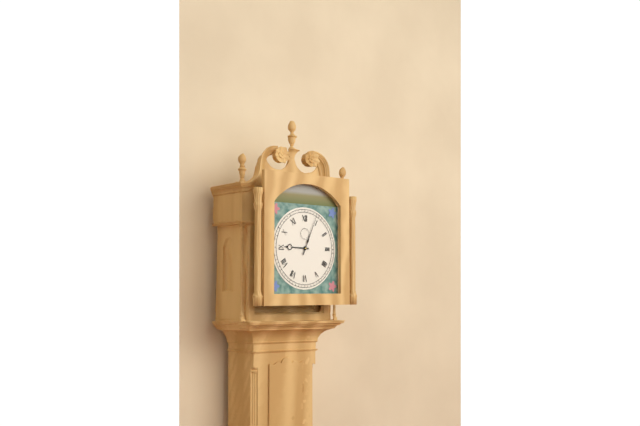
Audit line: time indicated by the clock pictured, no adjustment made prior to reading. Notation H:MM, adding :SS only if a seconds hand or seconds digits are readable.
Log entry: 9:04
